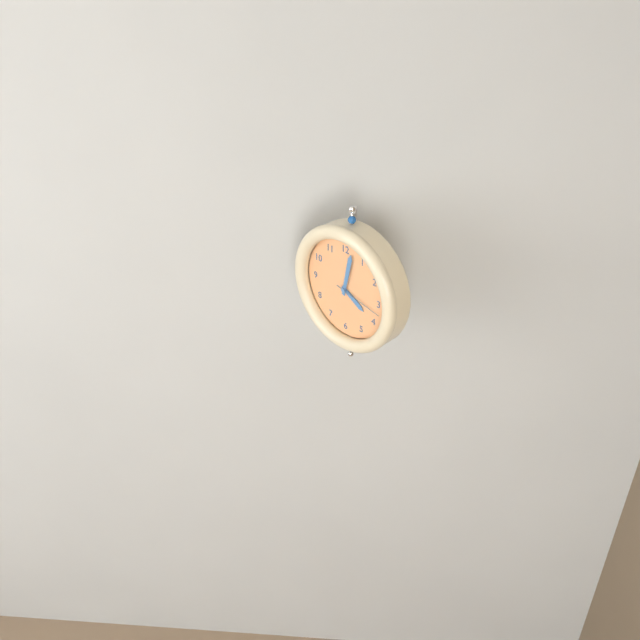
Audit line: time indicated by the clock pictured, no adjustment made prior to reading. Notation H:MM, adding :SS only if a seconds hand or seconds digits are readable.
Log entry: 4:02:17
